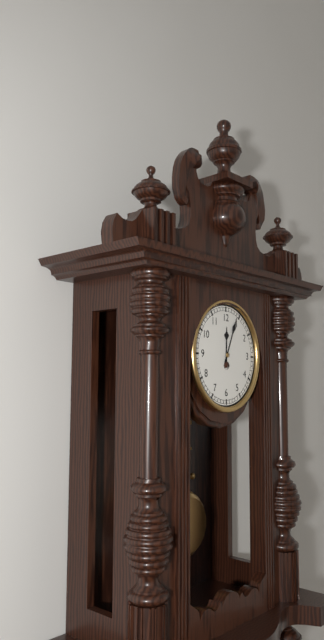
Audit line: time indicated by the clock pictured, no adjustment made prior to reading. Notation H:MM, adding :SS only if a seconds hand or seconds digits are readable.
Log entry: 12:04
